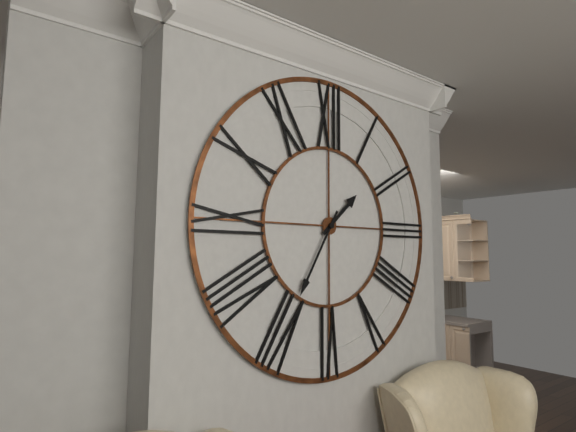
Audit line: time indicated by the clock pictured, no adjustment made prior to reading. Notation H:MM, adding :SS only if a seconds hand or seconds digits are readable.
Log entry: 1:35
